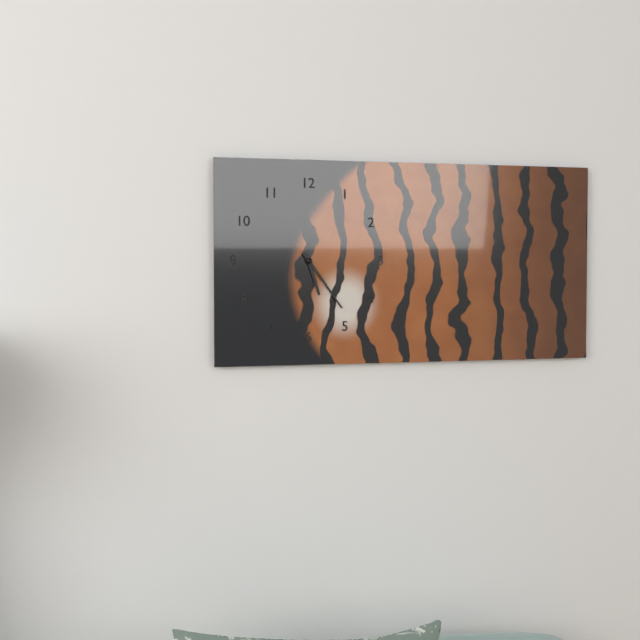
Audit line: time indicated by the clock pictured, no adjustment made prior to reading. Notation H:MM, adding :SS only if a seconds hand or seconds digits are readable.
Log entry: 5:24
